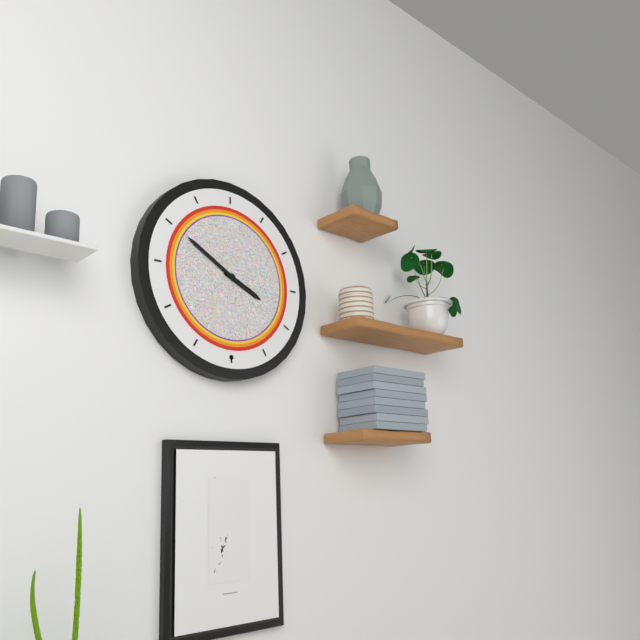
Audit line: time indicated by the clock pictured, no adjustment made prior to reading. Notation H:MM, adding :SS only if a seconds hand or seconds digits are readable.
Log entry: 3:50
